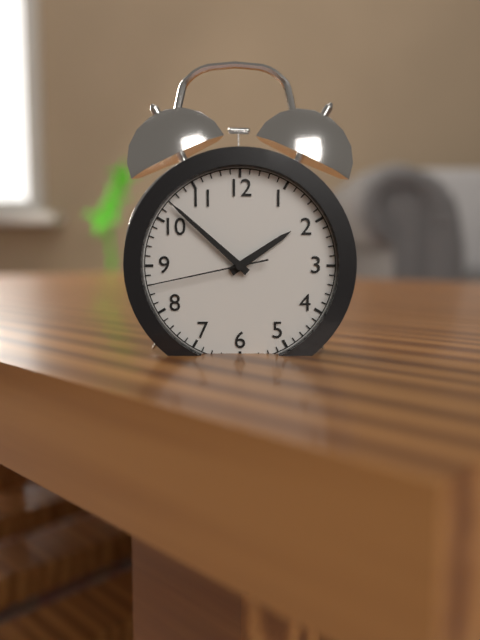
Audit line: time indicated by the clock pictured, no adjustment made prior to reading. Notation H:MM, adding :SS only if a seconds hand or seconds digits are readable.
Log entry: 1:52:43
